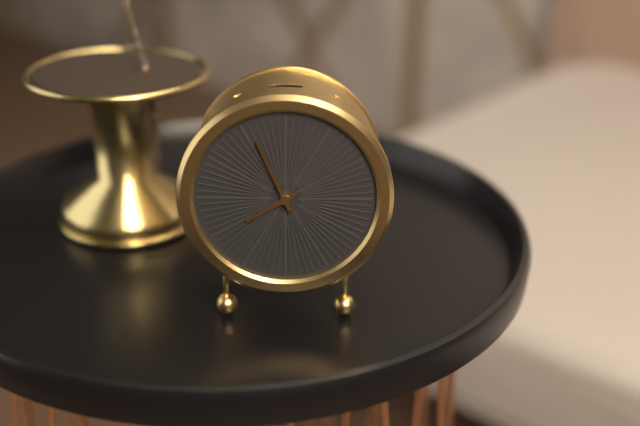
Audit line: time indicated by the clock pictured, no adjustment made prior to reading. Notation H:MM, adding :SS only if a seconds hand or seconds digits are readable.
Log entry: 7:56
